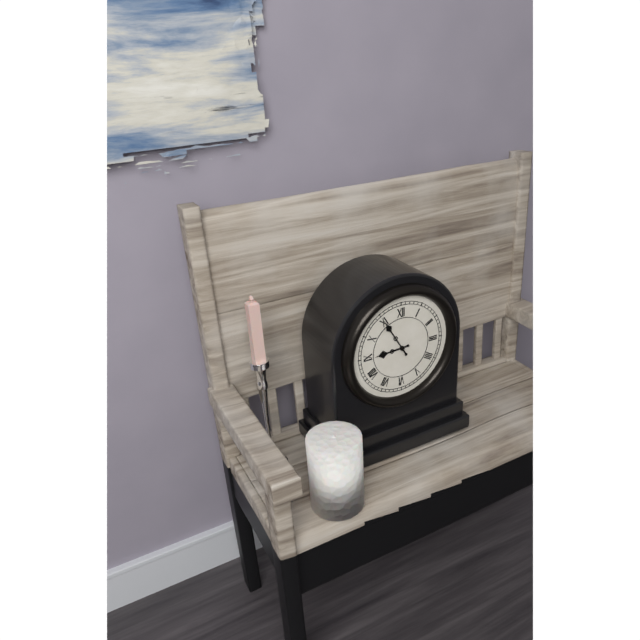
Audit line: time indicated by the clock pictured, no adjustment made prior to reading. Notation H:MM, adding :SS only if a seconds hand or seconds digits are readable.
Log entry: 8:55
